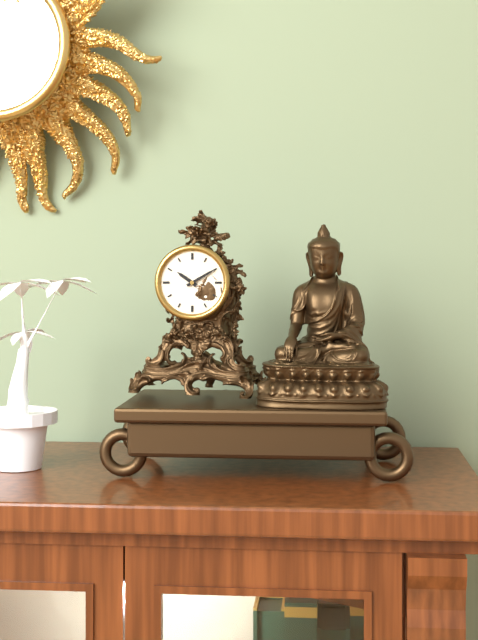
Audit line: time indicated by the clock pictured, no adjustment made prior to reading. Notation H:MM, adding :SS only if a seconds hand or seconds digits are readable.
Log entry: 10:10
